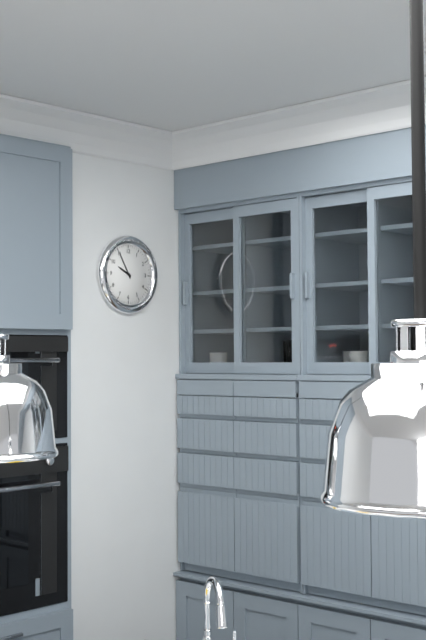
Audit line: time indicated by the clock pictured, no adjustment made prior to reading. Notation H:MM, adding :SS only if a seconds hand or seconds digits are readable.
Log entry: 9:55
